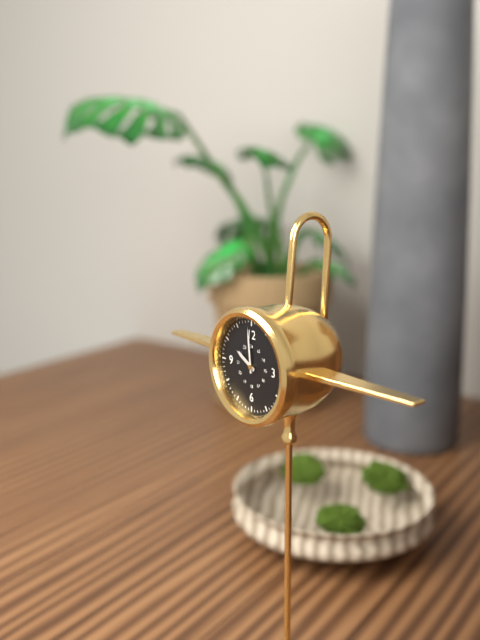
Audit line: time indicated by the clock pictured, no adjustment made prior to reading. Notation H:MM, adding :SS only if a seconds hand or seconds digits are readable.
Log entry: 9:59
